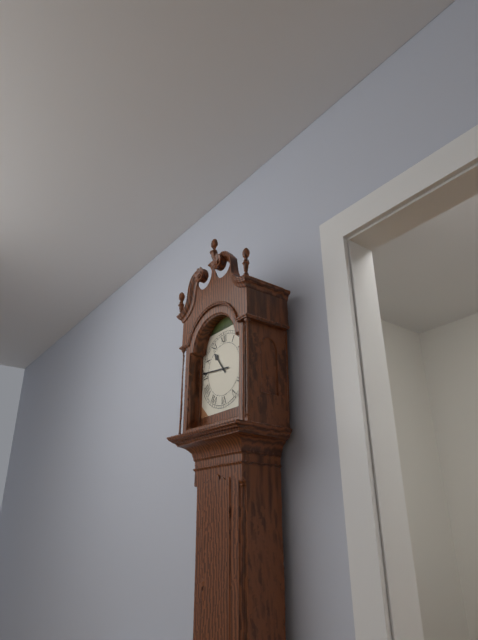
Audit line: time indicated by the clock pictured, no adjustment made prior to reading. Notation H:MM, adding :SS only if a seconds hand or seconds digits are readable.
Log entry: 10:46
